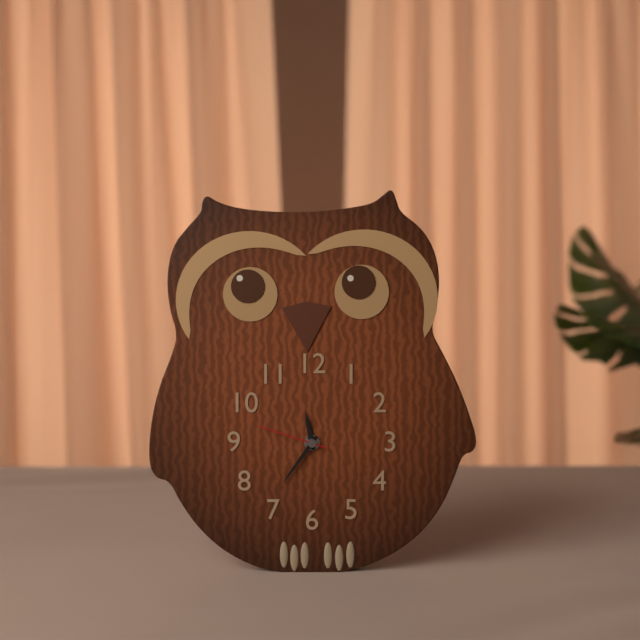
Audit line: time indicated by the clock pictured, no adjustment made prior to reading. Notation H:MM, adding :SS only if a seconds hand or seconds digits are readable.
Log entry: 11:36:48
